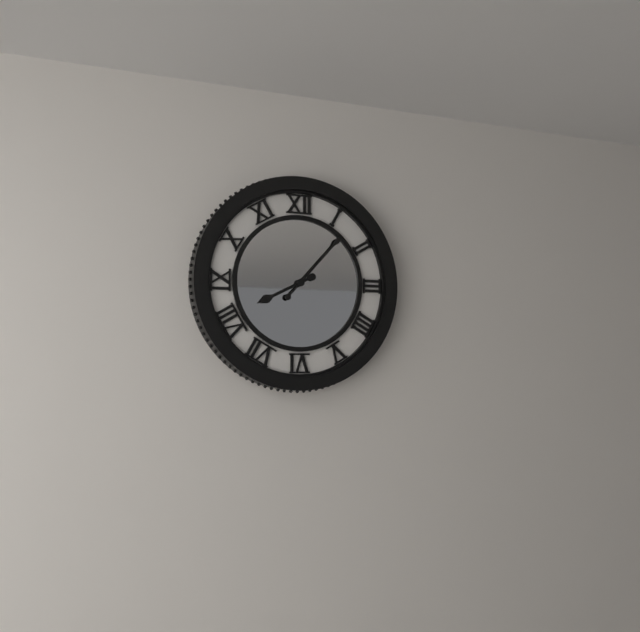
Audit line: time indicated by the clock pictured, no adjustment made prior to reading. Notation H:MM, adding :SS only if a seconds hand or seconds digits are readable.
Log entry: 8:07
